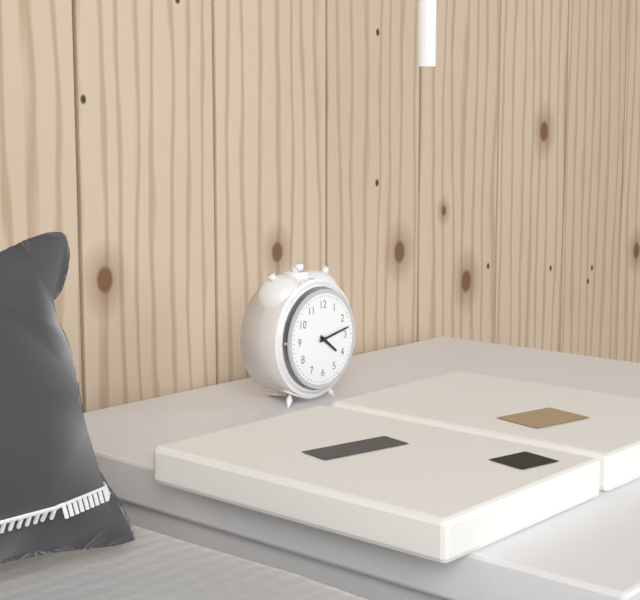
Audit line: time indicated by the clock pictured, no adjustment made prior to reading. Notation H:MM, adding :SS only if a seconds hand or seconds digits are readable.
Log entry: 4:13
